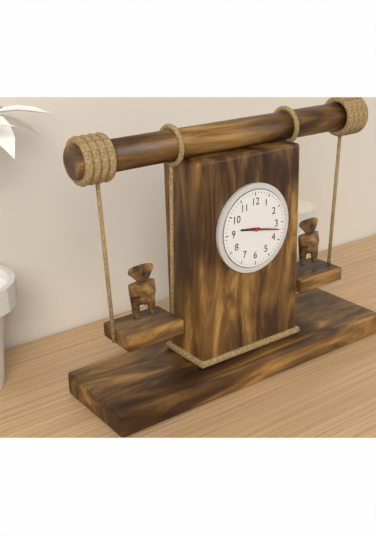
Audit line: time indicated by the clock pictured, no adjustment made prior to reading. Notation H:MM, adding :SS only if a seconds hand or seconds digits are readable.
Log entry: 9:17
